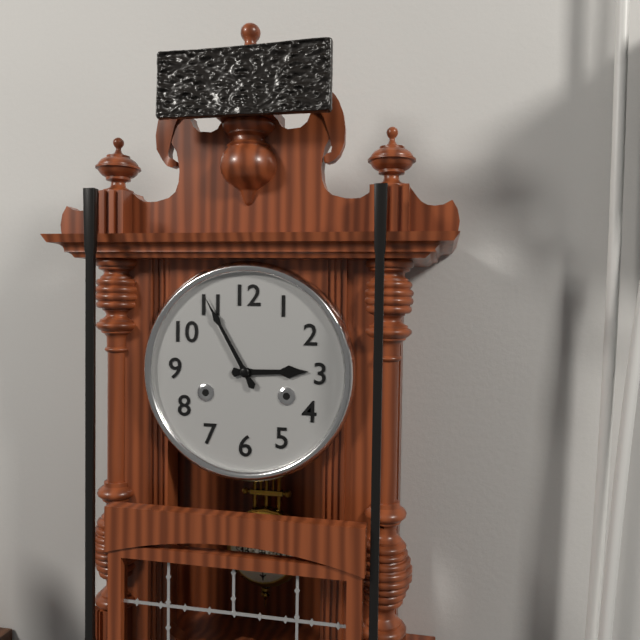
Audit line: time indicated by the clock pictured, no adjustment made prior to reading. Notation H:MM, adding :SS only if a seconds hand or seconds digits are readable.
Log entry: 2:55
